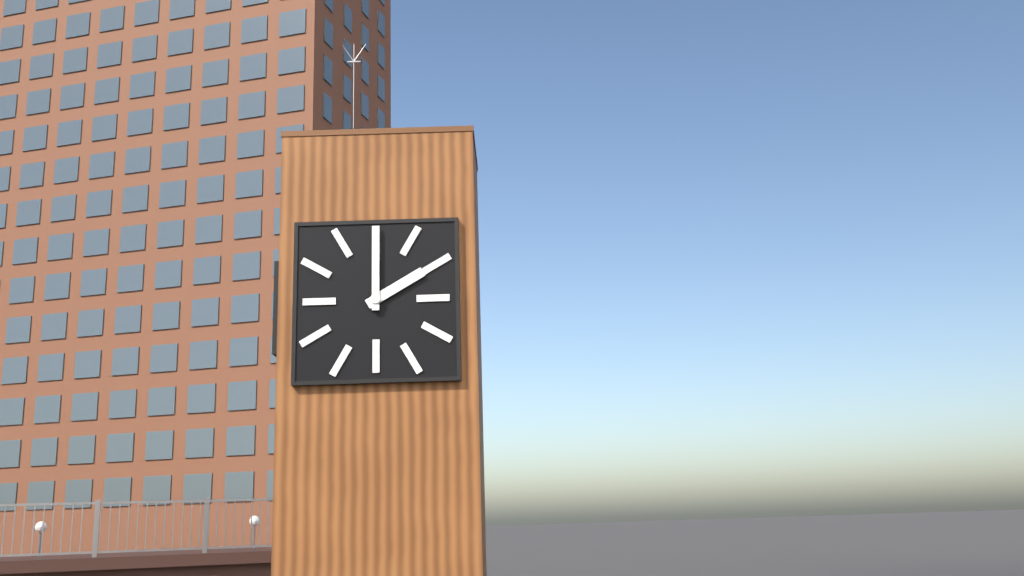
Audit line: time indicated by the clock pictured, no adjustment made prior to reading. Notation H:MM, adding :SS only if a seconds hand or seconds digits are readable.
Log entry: 2:00
